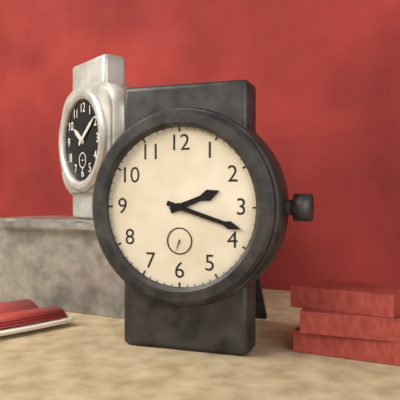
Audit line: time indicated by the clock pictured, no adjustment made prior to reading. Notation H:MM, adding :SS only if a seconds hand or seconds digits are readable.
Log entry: 2:18
